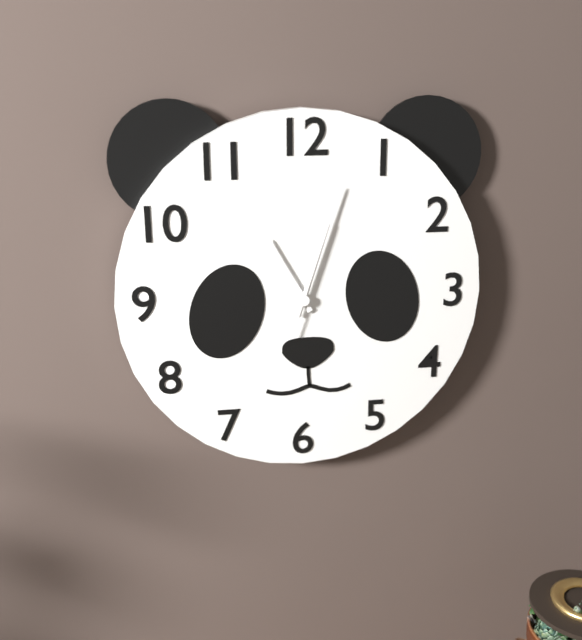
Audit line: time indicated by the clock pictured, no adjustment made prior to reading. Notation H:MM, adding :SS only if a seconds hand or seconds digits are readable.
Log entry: 11:03:03
